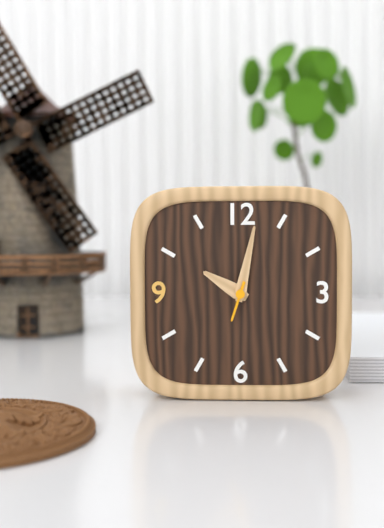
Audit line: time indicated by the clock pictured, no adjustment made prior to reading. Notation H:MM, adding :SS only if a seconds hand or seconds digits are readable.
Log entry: 10:02
